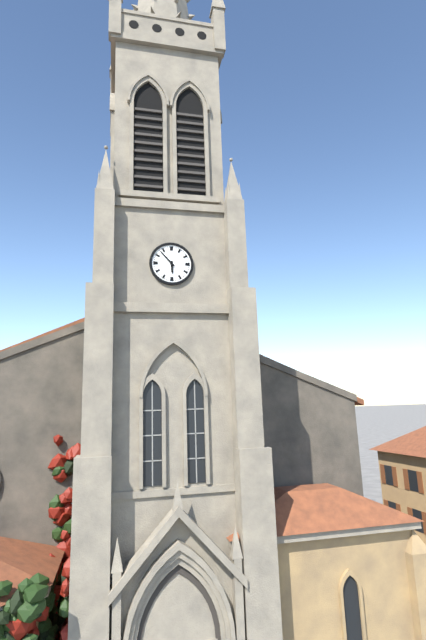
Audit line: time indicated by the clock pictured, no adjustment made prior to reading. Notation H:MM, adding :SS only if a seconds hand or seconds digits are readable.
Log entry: 5:53
